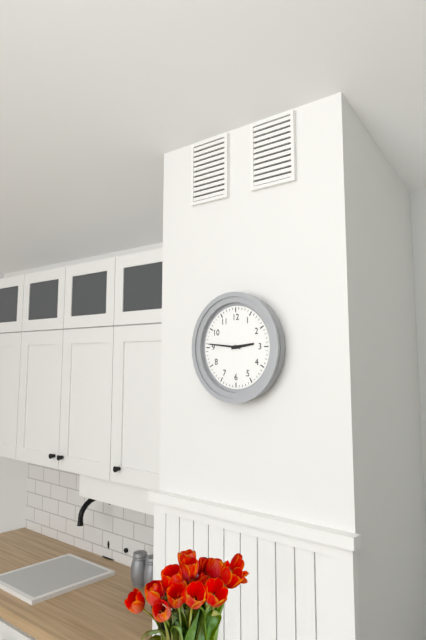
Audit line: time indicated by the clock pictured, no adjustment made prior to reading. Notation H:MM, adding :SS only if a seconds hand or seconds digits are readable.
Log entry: 2:46
